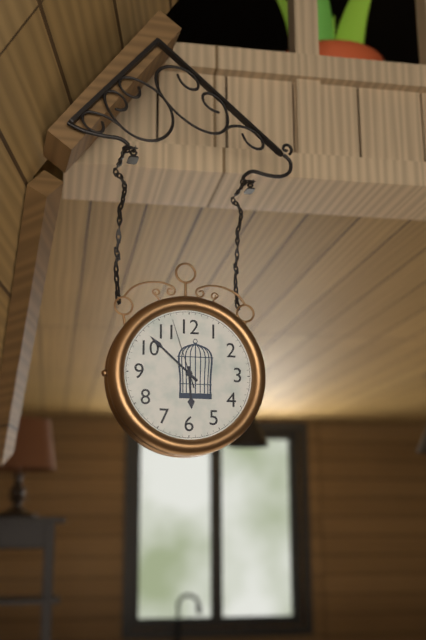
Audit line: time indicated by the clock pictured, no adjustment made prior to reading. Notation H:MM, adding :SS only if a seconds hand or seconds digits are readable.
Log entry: 5:52:57
